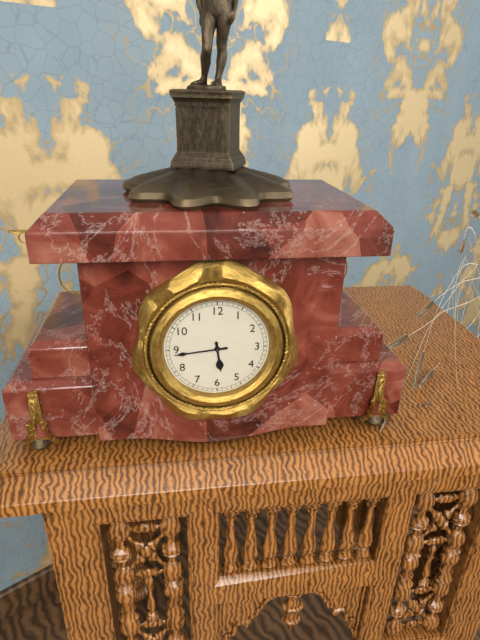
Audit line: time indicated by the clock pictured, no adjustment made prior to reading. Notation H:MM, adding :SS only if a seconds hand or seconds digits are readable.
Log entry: 5:44
